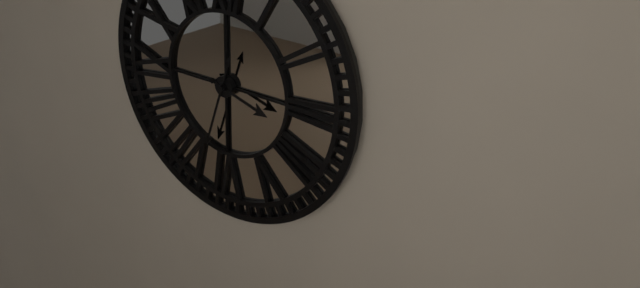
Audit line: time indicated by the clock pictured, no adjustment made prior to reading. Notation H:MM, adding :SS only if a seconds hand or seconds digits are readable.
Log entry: 3:33
